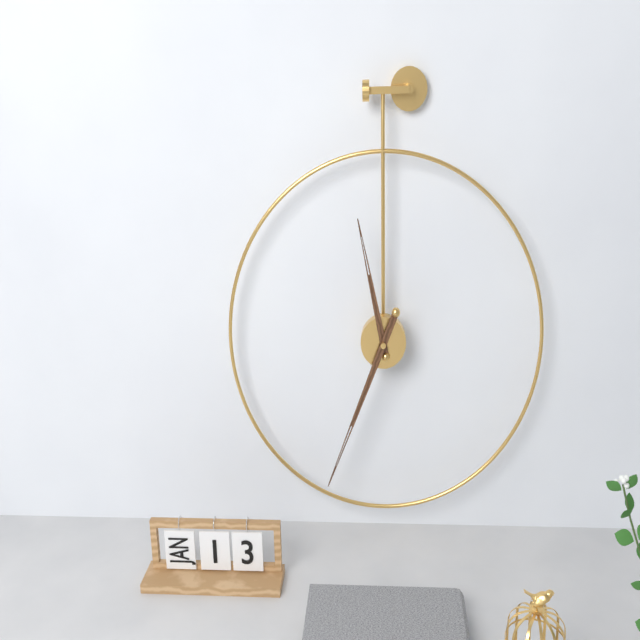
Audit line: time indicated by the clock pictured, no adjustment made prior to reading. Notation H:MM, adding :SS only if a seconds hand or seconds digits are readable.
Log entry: 11:34
